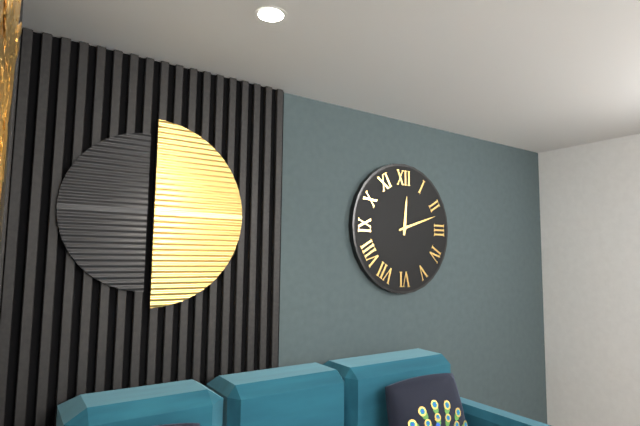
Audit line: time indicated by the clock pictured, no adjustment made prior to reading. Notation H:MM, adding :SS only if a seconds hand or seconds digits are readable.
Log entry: 12:12
